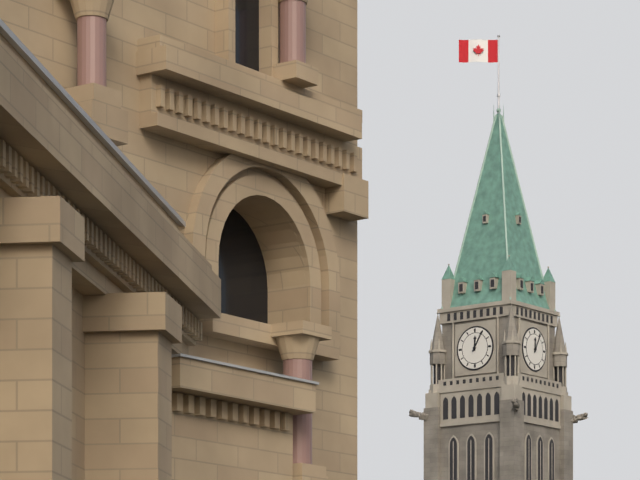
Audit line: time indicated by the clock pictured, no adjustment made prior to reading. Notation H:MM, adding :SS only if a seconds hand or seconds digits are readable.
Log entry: 12:05
